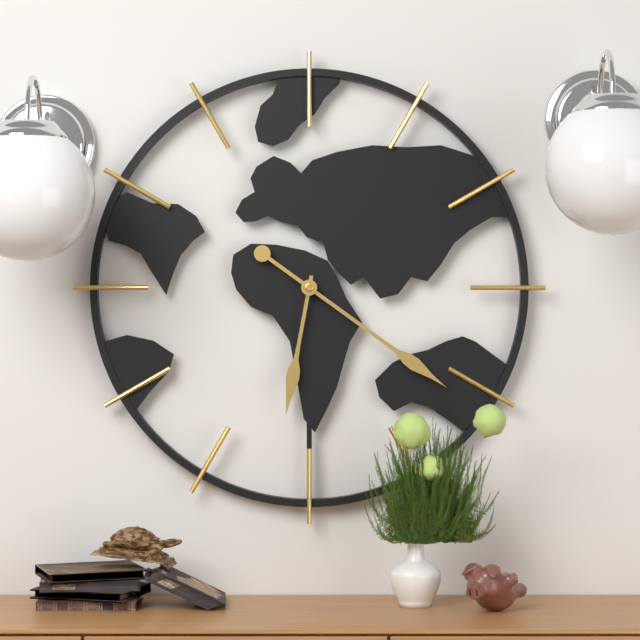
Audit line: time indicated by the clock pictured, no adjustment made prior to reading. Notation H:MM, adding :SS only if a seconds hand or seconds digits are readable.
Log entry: 6:21
